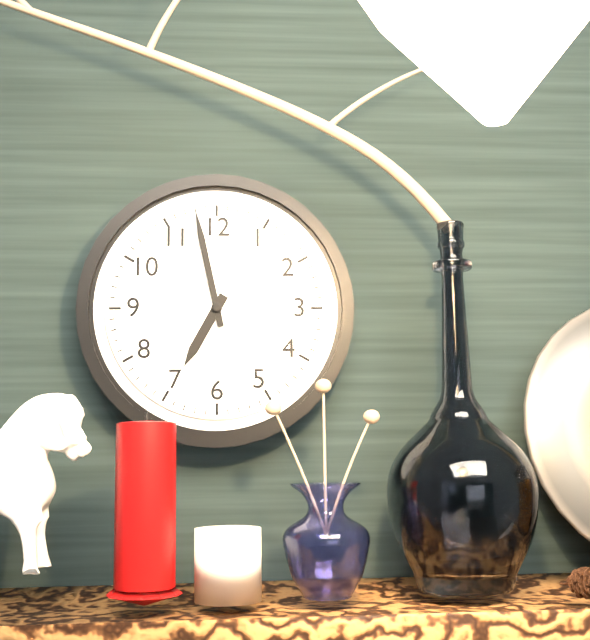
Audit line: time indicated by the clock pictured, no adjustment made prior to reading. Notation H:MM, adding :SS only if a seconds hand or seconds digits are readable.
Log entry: 6:58
